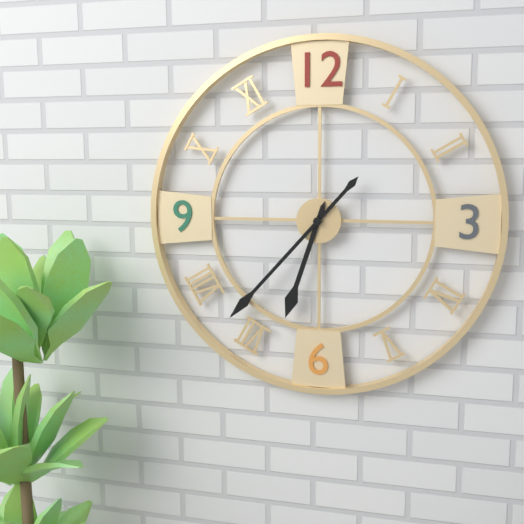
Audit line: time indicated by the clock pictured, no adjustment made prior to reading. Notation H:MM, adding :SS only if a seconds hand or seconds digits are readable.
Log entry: 6:37
